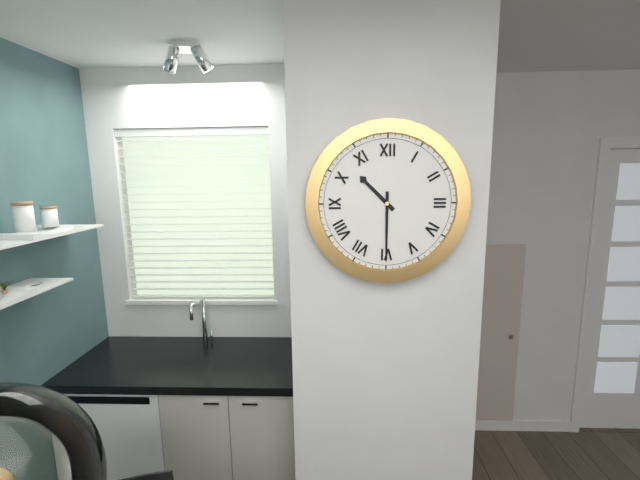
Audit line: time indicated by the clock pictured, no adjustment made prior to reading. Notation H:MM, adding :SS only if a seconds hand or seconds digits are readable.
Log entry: 10:30
